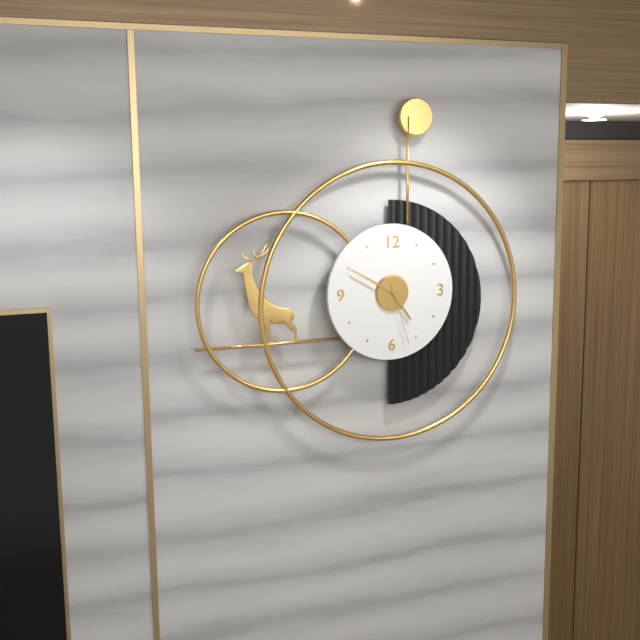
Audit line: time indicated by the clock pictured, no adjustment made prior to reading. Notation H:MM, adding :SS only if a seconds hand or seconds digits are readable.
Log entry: 4:50:27
